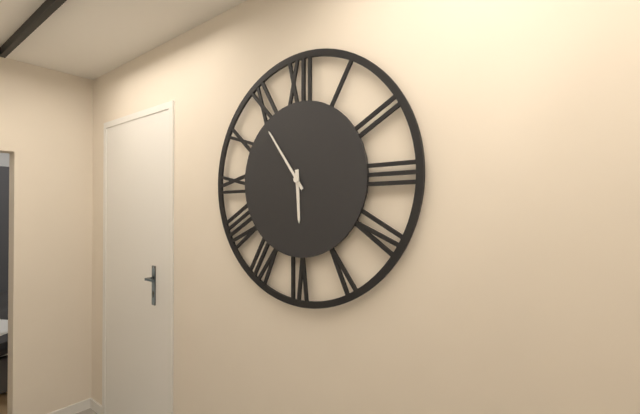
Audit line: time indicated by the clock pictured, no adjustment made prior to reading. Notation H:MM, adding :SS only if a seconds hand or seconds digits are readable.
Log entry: 5:54
